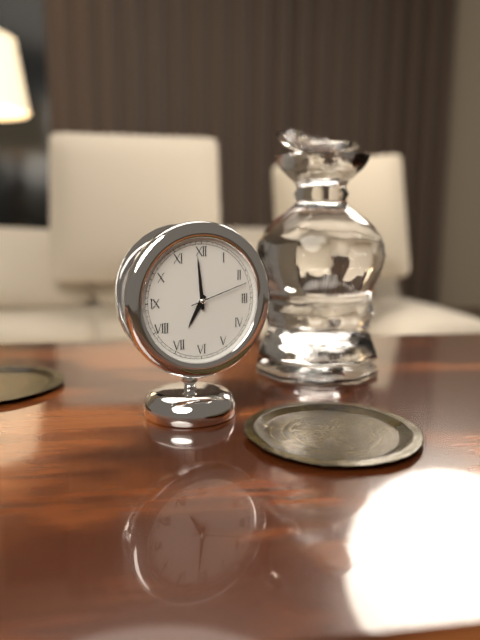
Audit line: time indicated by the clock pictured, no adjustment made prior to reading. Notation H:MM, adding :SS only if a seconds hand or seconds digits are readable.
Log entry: 6:59:12
